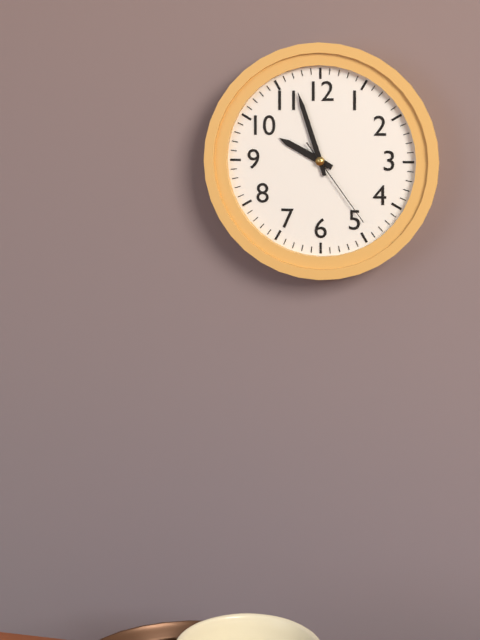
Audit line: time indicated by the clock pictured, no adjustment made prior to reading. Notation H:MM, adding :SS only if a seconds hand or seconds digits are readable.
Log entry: 9:57:24
